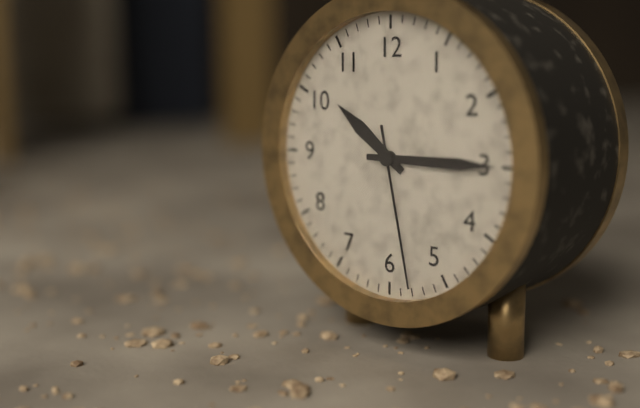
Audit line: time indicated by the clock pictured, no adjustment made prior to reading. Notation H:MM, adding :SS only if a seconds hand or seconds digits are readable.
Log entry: 10:15:28
